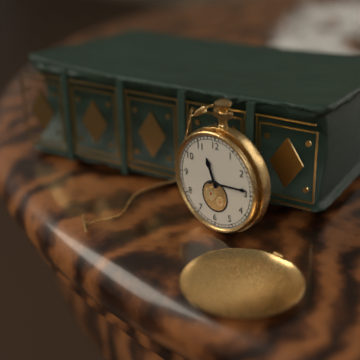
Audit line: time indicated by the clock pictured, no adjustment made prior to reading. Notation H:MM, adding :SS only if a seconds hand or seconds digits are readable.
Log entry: 11:14
